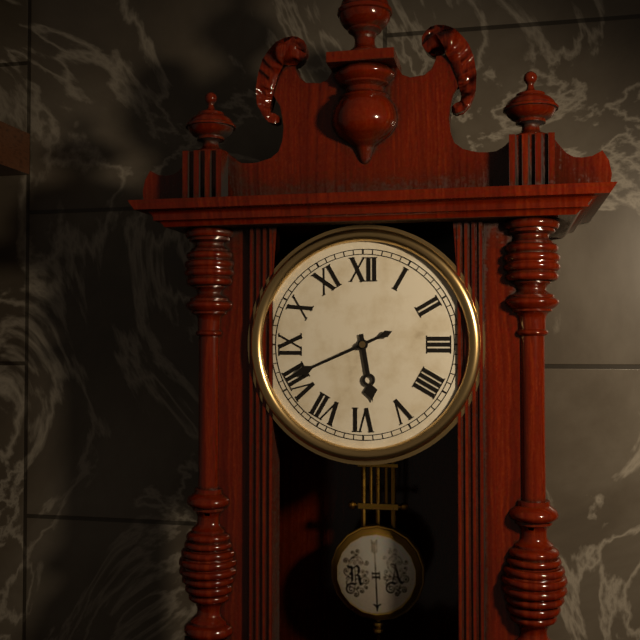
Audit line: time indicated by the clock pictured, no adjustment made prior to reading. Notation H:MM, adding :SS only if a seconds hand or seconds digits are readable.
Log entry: 5:41
